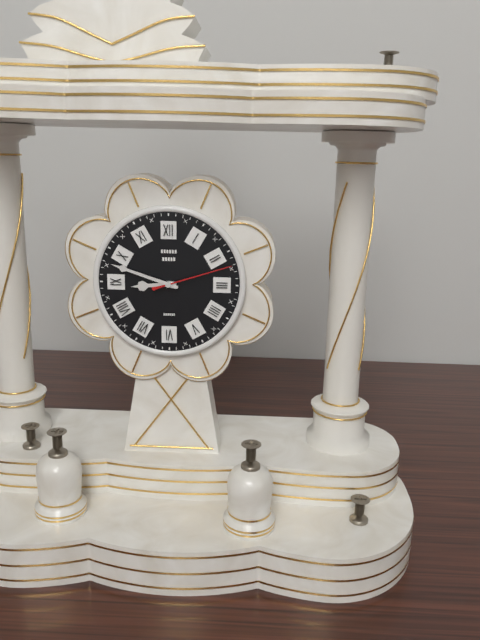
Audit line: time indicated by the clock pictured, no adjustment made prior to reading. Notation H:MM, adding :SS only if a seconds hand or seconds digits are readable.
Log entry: 8:48:12
